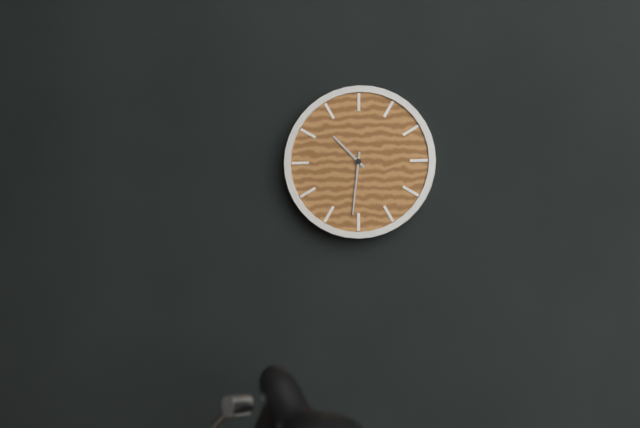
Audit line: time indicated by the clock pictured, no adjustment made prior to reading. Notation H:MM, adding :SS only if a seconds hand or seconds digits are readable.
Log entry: 10:31
